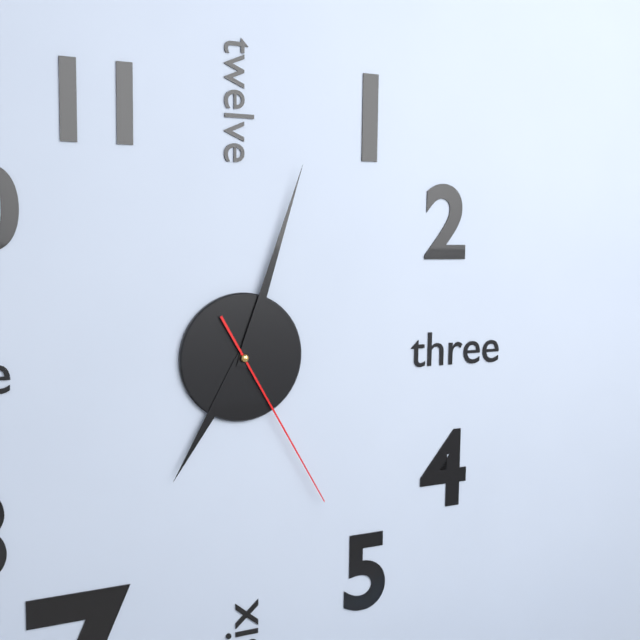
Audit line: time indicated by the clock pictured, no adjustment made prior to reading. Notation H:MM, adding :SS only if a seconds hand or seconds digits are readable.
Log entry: 7:03:25
